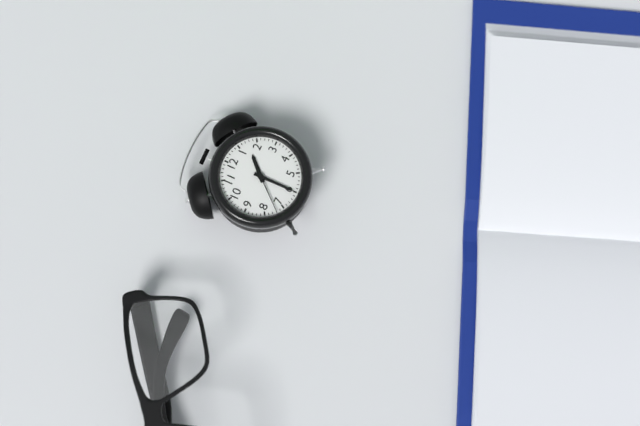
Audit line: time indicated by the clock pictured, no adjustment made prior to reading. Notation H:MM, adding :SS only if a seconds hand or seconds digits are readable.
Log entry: 1:30
